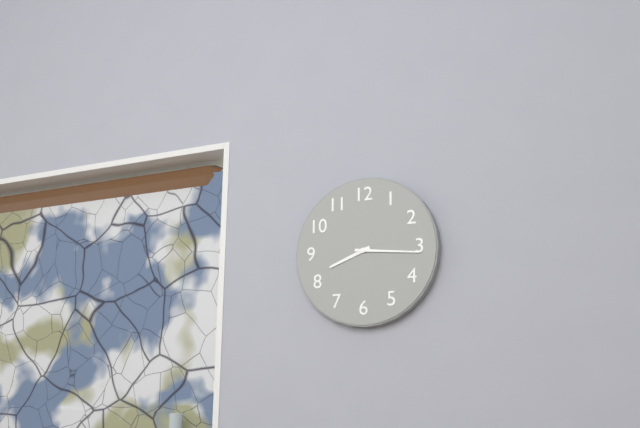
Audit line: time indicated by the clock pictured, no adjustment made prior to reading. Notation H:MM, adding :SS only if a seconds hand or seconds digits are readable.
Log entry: 8:16
